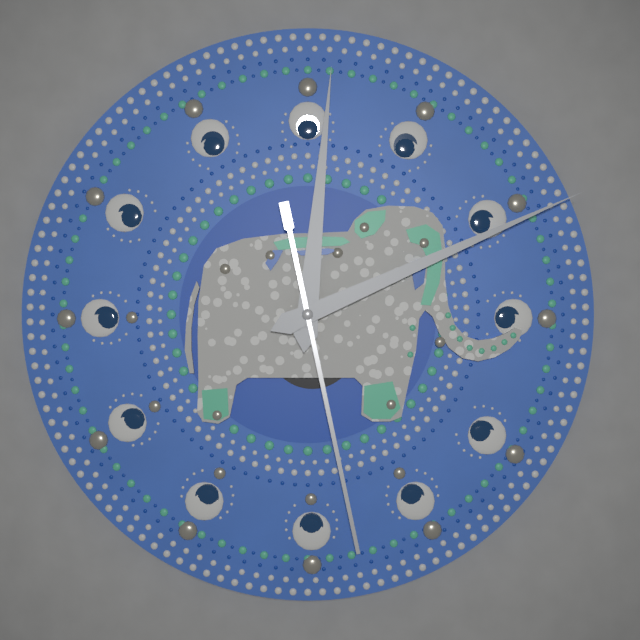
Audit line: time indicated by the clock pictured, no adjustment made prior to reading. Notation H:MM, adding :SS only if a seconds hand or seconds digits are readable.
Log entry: 12:11:28
